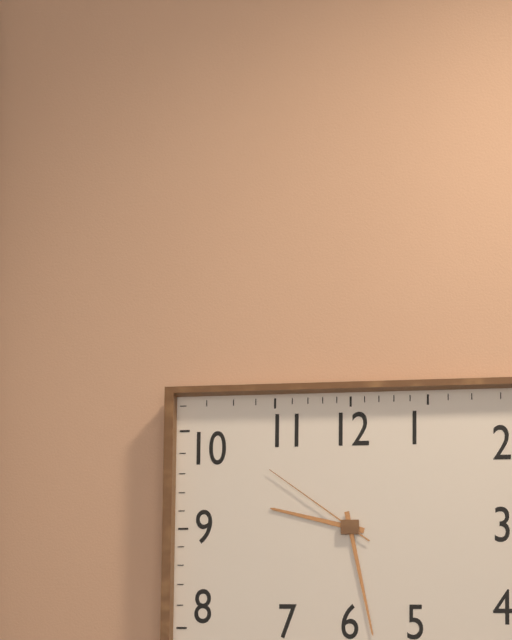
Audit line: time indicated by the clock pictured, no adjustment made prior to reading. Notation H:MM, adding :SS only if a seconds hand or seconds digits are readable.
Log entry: 9:28:51
